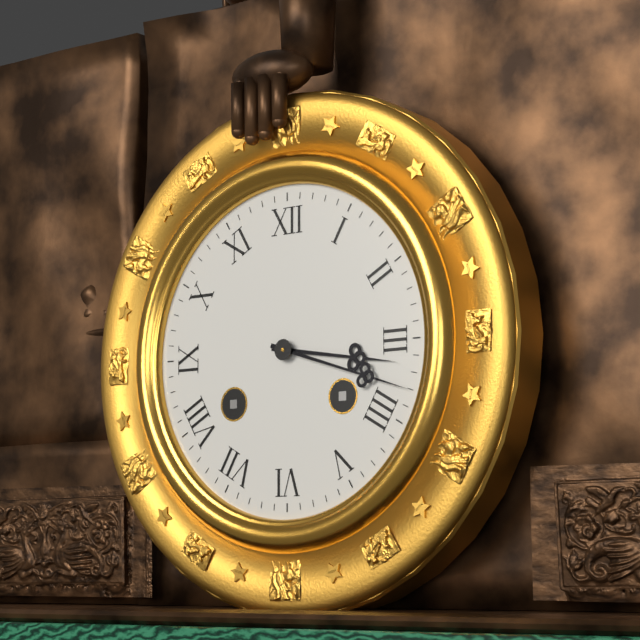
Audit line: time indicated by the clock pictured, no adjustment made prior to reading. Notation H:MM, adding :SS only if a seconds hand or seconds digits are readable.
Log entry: 3:18
